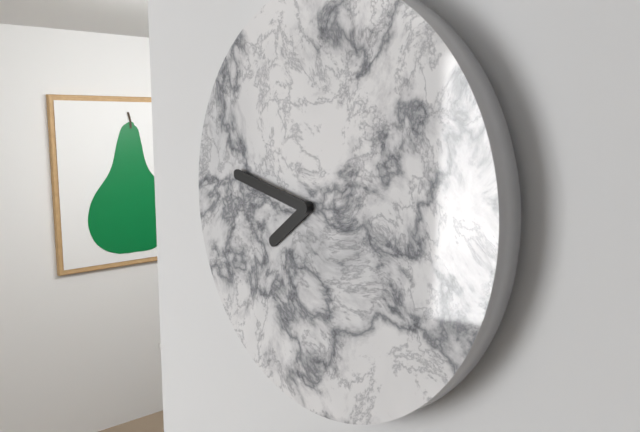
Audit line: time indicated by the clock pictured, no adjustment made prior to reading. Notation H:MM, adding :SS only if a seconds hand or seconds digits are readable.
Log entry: 7:47
